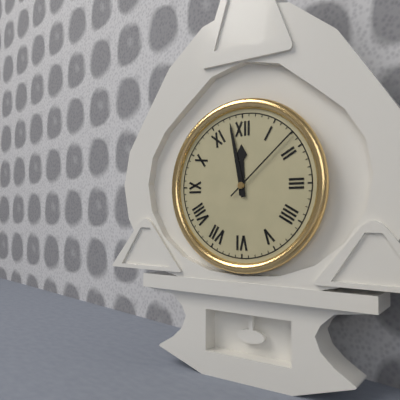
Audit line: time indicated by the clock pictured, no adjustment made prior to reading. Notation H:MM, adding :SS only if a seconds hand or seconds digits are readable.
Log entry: 11:58:08
